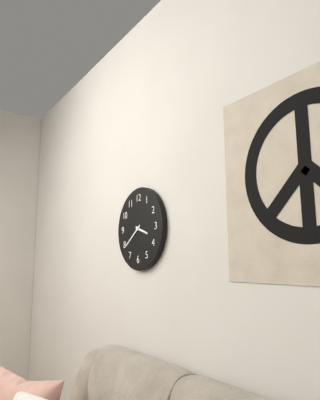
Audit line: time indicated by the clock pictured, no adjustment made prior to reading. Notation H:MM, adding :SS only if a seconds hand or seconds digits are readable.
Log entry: 3:39
